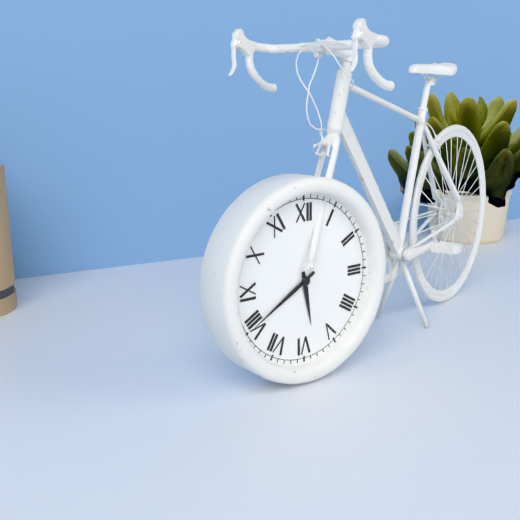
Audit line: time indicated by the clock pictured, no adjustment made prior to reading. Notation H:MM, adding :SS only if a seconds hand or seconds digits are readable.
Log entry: 5:40
